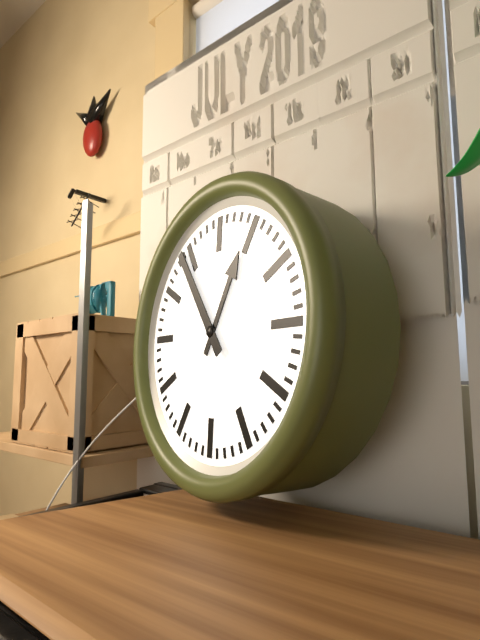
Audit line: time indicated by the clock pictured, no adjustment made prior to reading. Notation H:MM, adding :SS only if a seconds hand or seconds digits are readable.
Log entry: 12:54
